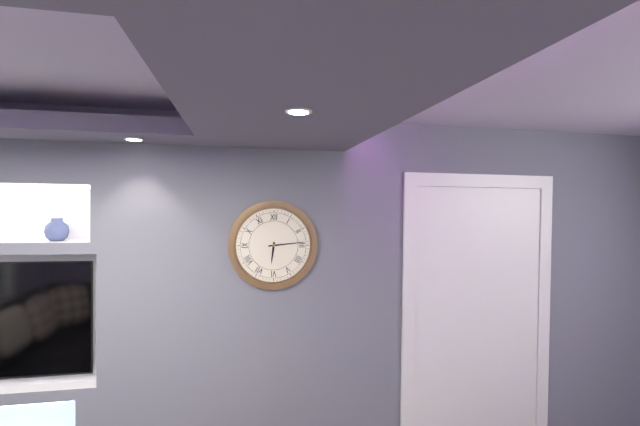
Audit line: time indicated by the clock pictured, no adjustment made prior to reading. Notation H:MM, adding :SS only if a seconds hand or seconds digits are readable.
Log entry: 6:14
